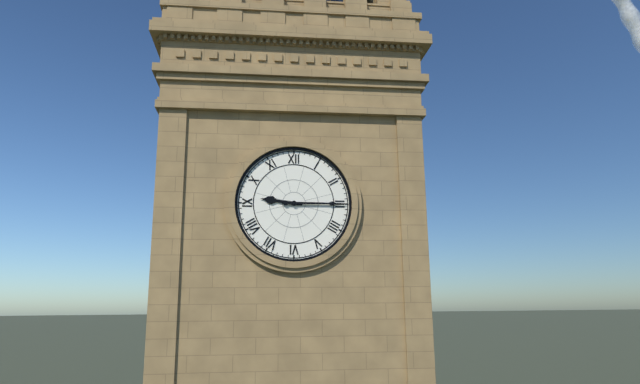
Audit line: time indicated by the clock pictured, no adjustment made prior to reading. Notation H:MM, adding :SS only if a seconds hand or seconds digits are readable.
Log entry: 9:15
